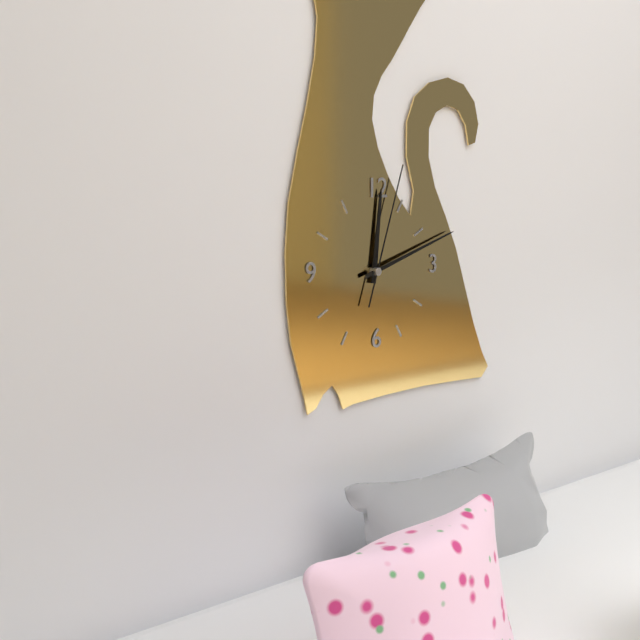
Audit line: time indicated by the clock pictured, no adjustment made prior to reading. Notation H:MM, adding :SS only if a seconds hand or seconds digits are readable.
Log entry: 12:12:03
